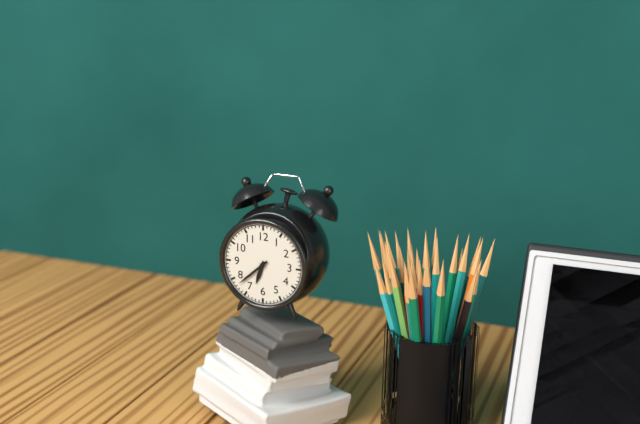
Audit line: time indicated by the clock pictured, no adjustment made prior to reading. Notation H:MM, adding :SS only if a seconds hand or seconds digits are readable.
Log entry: 6:38
